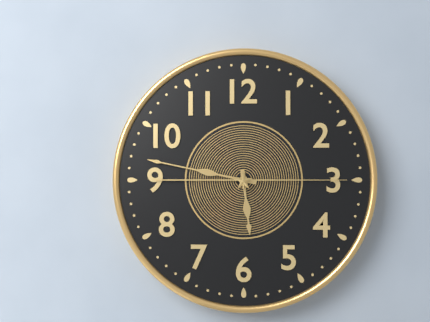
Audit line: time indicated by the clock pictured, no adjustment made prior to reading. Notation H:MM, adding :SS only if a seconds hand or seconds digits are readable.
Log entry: 5:47:15
